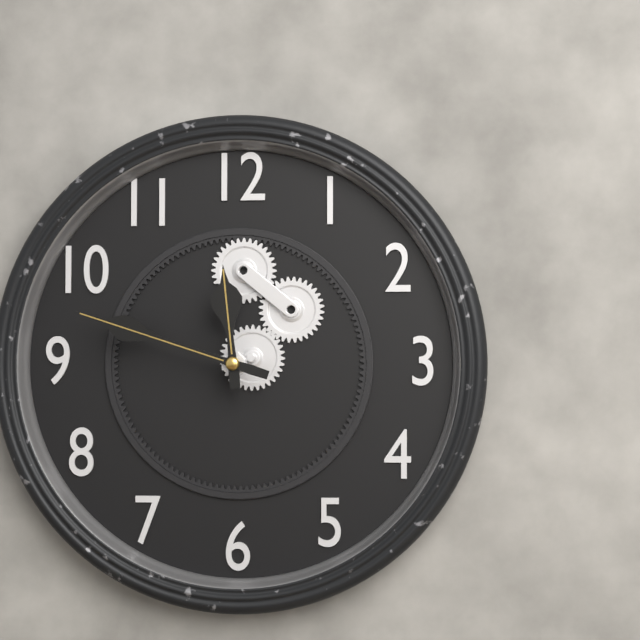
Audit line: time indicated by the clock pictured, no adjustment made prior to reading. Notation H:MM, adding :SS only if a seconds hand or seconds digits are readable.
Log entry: 11:48
